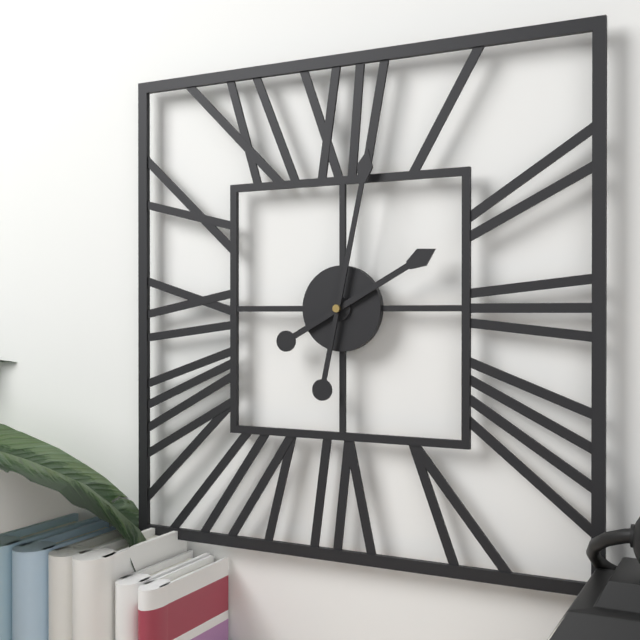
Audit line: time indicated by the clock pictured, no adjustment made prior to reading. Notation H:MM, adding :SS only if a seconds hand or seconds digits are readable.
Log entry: 2:02
